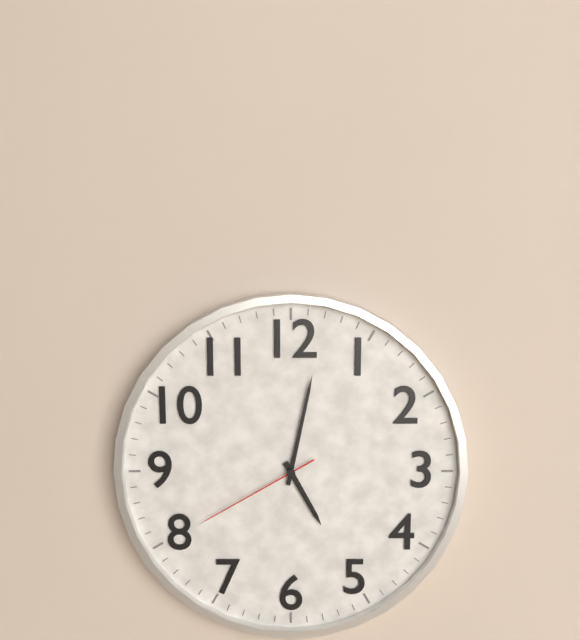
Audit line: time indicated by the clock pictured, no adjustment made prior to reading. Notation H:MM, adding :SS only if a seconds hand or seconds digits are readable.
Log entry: 5:02:40
